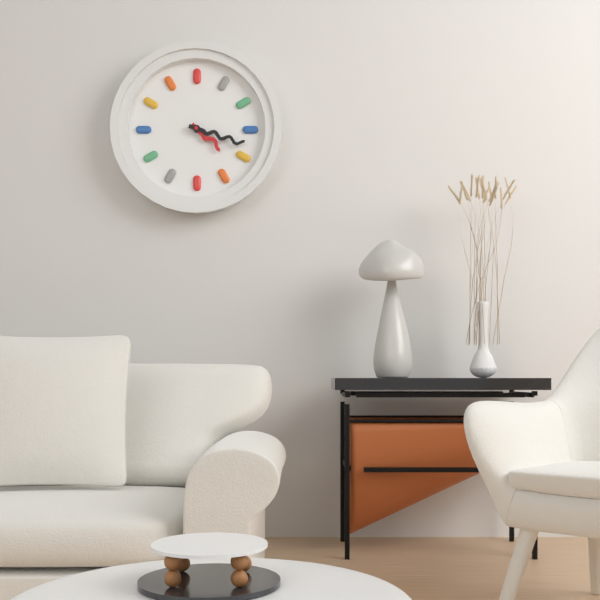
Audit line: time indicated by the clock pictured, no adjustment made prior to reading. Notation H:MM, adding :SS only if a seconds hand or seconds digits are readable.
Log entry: 4:18
